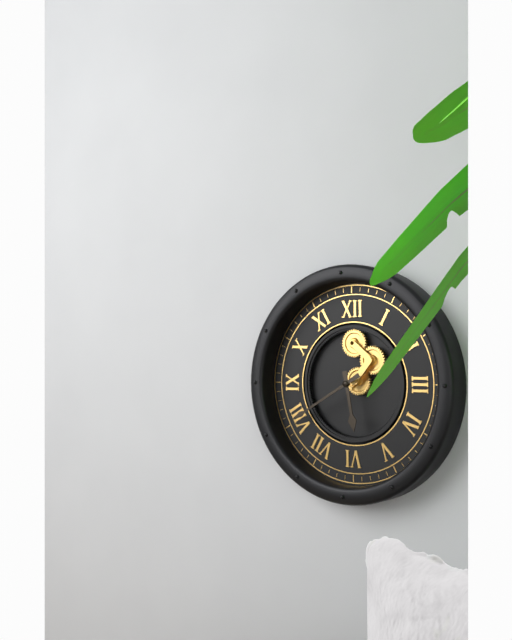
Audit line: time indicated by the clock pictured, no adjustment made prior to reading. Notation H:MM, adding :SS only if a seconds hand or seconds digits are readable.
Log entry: 5:40
